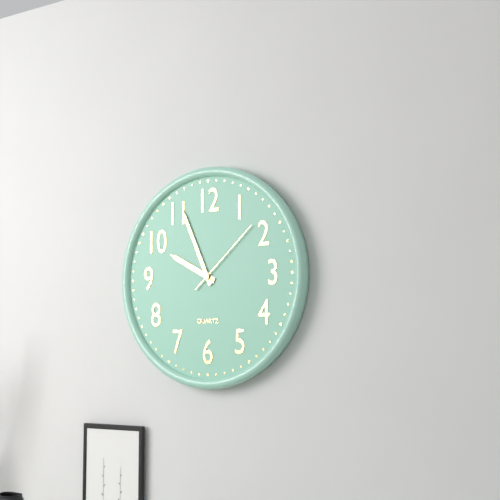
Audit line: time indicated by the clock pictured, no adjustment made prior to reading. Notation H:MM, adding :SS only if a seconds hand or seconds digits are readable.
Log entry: 9:56:08
